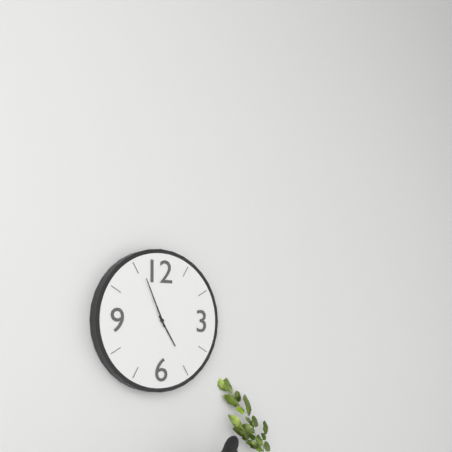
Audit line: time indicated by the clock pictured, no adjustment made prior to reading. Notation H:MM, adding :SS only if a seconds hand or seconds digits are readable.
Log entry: 4:56
